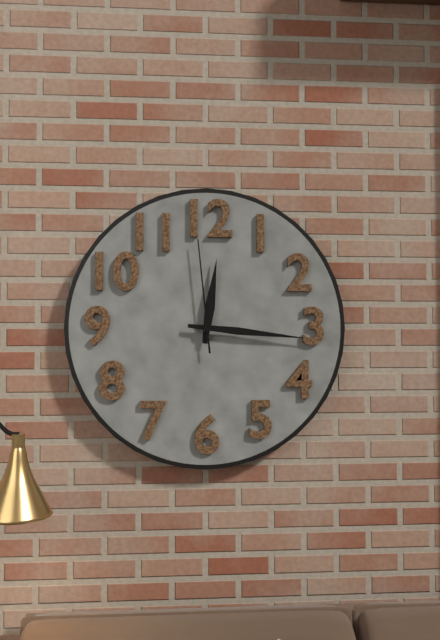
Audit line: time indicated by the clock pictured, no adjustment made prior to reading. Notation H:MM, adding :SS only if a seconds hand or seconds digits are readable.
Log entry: 12:16:59
